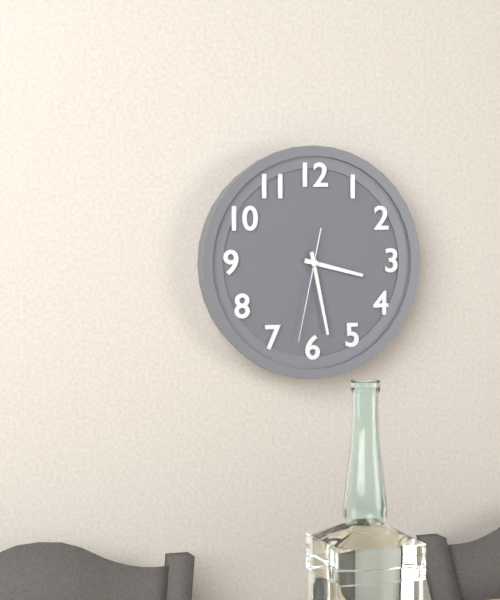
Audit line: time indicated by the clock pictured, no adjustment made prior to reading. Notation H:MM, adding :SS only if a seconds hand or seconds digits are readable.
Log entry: 3:28:32
